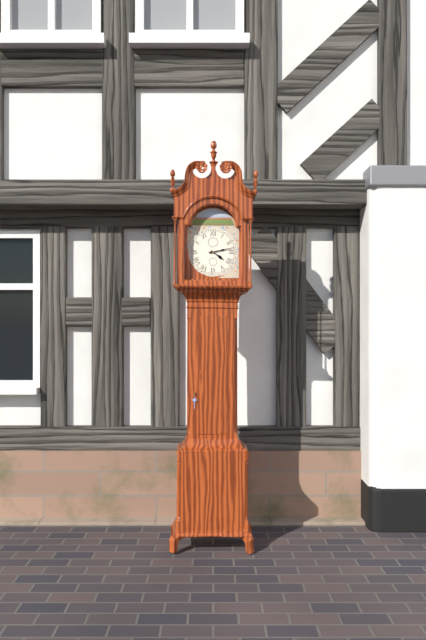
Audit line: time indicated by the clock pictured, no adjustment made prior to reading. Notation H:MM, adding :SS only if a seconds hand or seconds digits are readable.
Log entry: 4:13
